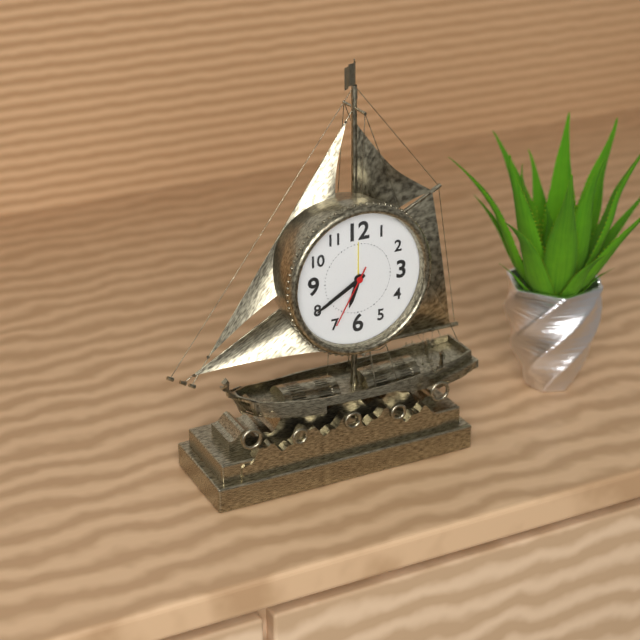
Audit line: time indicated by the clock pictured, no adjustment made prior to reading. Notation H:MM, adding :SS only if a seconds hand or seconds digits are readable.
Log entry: 6:40:35
